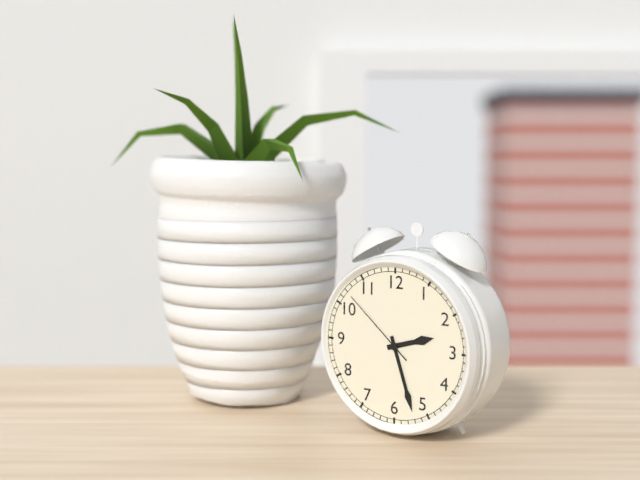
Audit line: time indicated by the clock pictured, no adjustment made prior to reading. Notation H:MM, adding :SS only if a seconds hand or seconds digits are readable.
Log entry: 2:27:52
